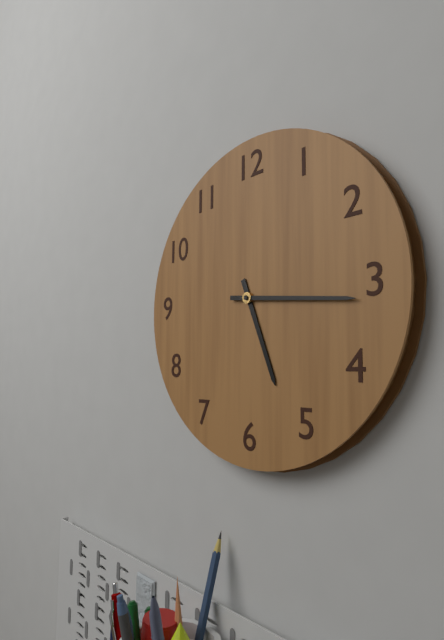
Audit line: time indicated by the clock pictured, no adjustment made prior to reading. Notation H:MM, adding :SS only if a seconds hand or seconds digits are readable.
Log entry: 5:16
